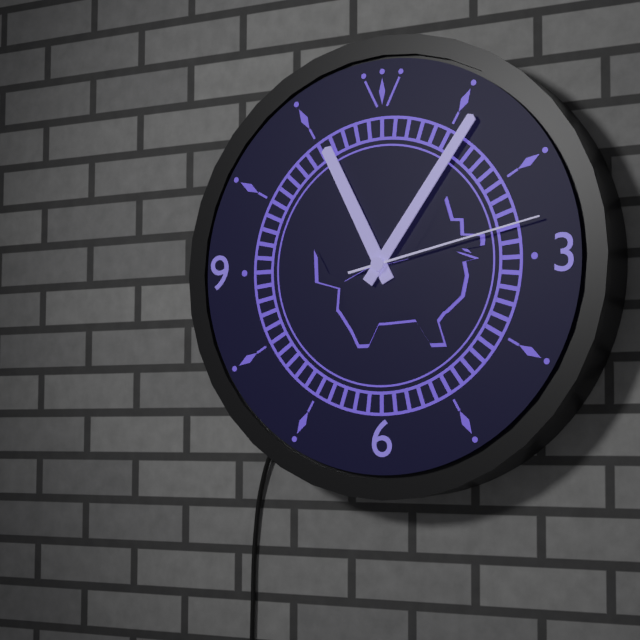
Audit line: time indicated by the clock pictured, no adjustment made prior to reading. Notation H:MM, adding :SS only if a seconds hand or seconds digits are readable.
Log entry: 11:06:13
